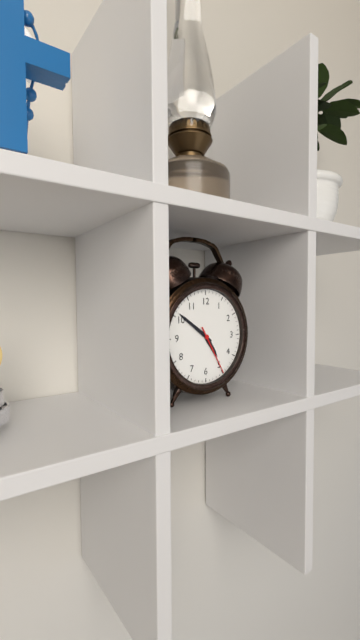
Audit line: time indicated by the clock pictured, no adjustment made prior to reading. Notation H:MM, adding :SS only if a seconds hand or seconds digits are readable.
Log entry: 4:51:25
